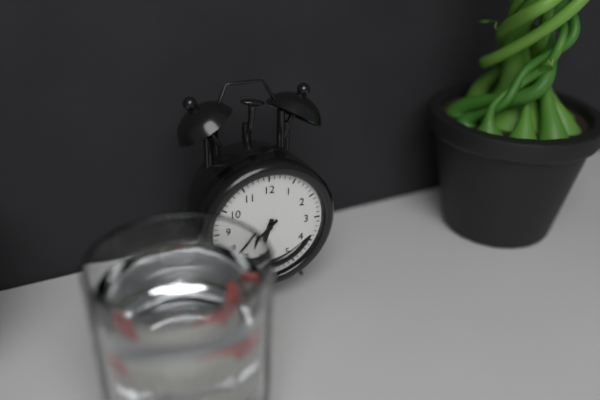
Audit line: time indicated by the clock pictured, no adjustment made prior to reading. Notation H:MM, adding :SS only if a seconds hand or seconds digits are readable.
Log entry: 6:38
